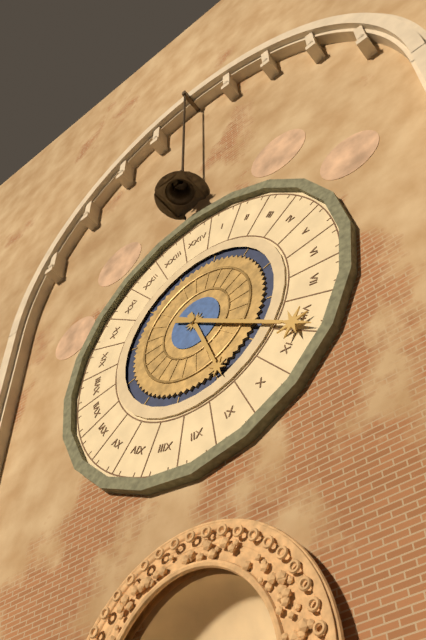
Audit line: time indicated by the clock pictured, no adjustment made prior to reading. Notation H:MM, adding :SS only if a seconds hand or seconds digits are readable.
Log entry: 5:21
